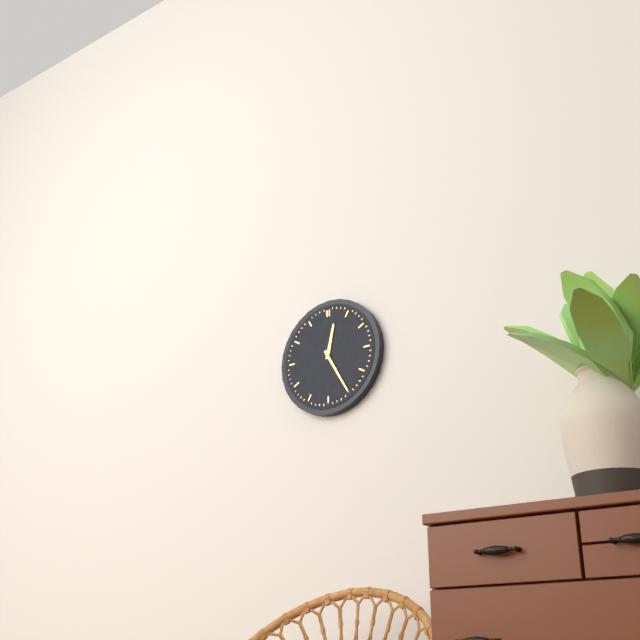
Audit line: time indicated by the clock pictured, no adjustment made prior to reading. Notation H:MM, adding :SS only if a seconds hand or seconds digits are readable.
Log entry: 12:25
